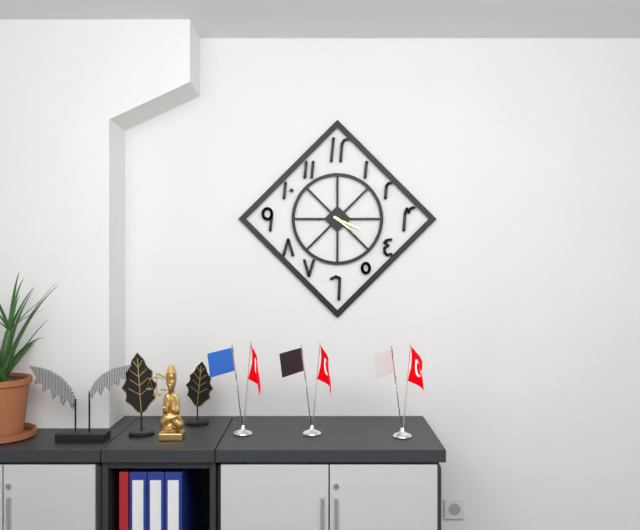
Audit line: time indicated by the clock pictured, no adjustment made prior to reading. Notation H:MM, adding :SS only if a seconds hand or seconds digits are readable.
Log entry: 4:19
